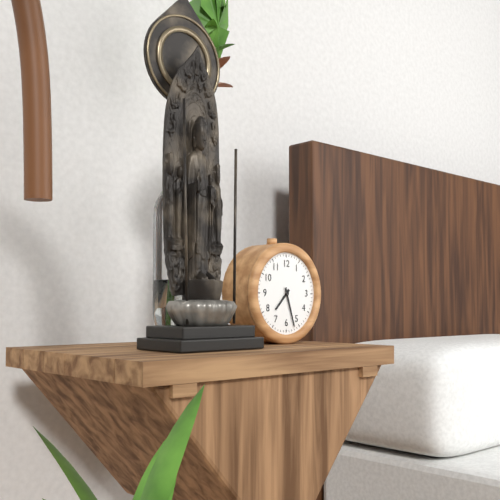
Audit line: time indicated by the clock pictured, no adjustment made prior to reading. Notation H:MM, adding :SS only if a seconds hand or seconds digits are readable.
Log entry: 7:27
